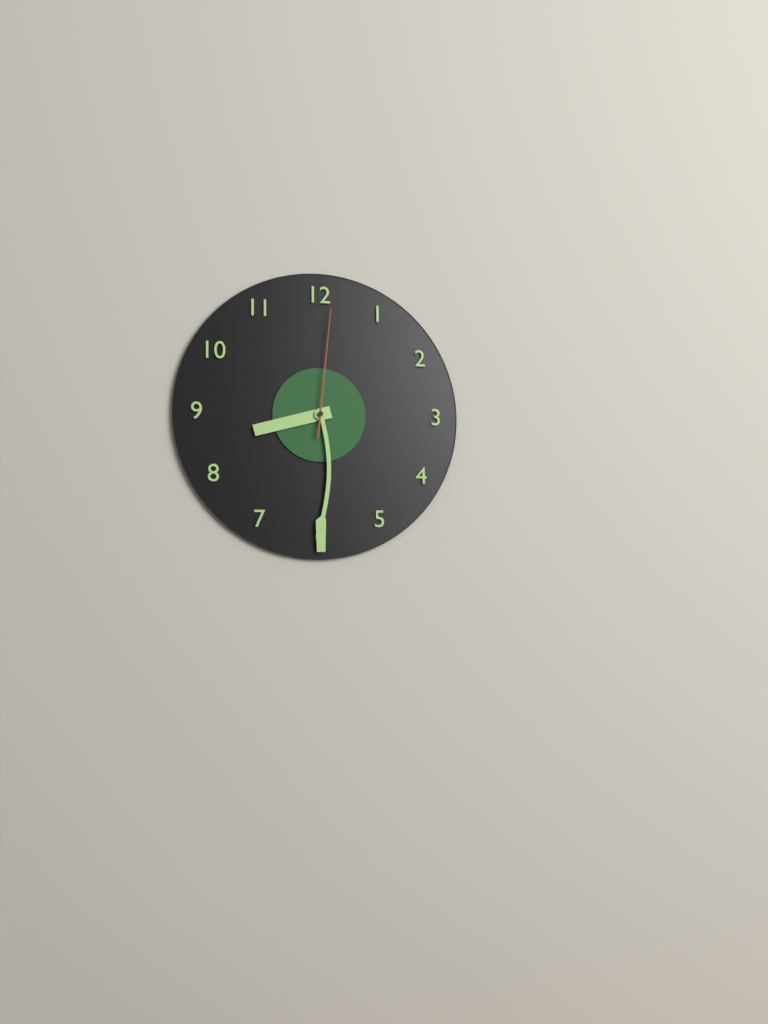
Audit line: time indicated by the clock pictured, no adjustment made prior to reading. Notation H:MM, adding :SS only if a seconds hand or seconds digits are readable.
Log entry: 8:30:01
